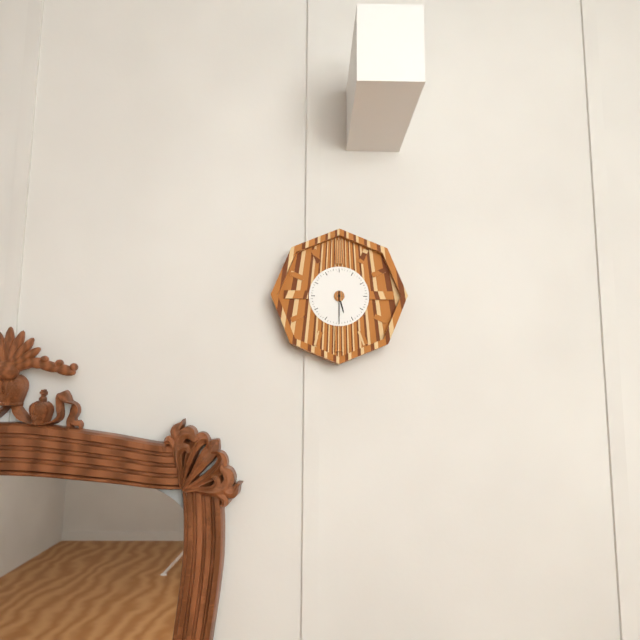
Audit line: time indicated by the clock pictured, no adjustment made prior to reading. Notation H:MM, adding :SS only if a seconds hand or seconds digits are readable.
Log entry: 5:30
